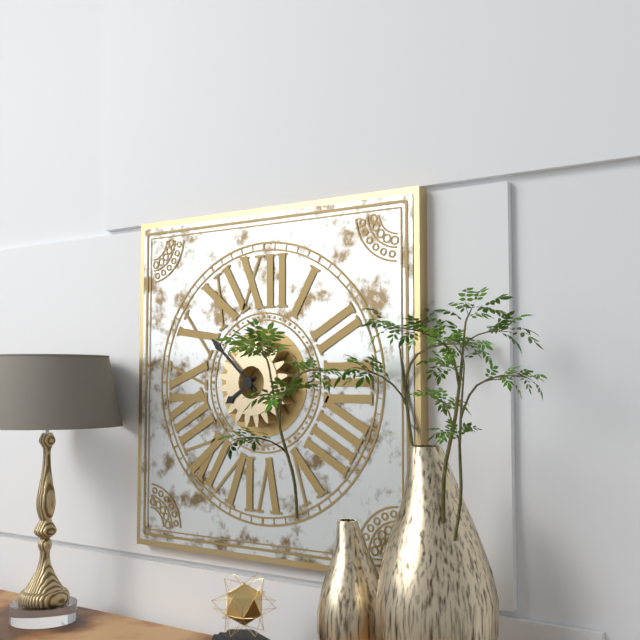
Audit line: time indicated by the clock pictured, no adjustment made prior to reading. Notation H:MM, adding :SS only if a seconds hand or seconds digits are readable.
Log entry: 7:52
